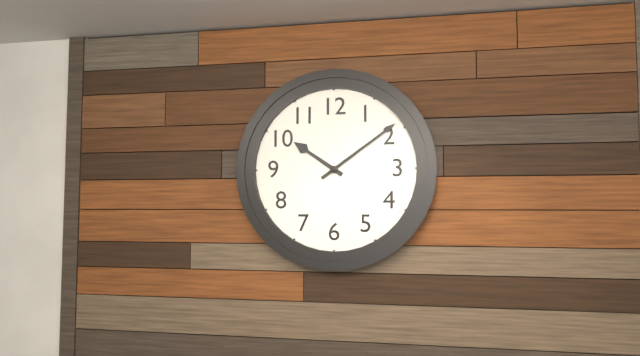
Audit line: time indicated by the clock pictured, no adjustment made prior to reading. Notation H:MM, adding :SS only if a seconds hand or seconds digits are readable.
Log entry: 10:09
